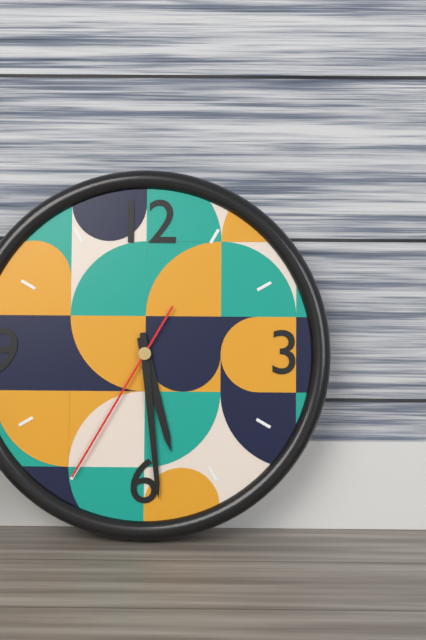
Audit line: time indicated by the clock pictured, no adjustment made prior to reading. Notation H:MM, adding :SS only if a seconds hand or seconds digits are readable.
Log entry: 5:29:35
